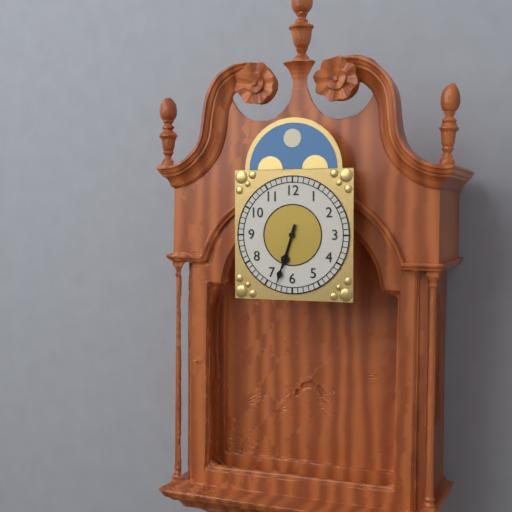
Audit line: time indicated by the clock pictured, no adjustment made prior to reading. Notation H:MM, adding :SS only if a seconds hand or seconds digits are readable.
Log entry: 6:33
